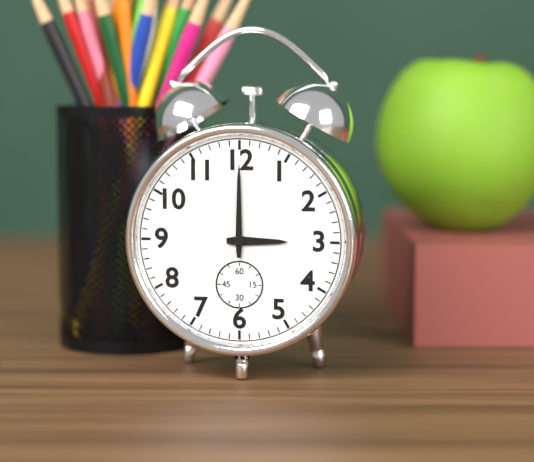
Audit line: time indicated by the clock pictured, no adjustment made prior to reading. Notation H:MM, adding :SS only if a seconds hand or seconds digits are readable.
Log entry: 3:00
